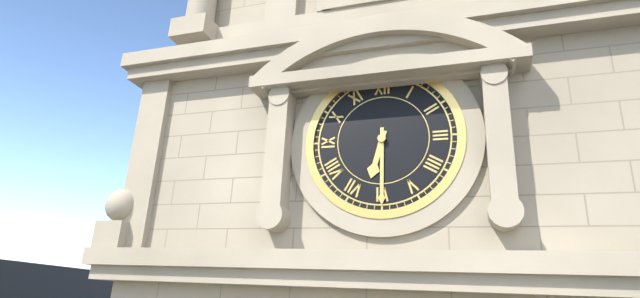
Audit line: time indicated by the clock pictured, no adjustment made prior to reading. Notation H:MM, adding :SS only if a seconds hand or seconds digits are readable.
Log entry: 6:30
